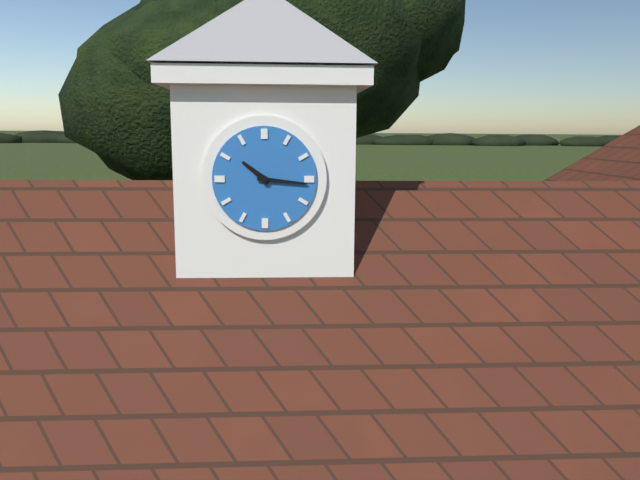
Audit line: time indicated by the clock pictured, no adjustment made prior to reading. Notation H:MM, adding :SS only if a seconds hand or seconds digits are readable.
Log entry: 10:16
